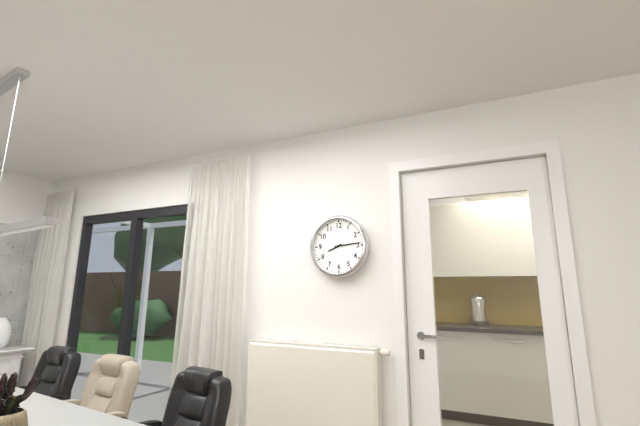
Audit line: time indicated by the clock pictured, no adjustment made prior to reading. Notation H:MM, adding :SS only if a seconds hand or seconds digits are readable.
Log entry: 8:14
